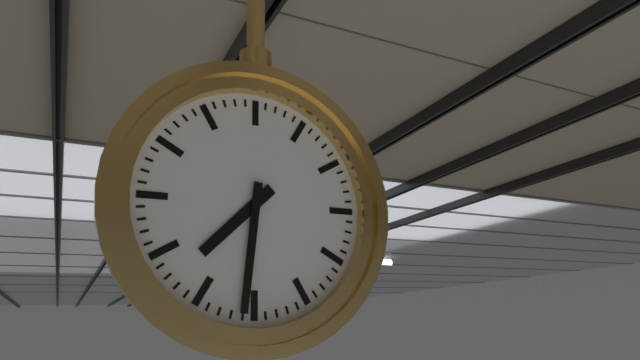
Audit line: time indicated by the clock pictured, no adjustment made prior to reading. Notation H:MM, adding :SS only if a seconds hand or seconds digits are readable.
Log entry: 7:31
